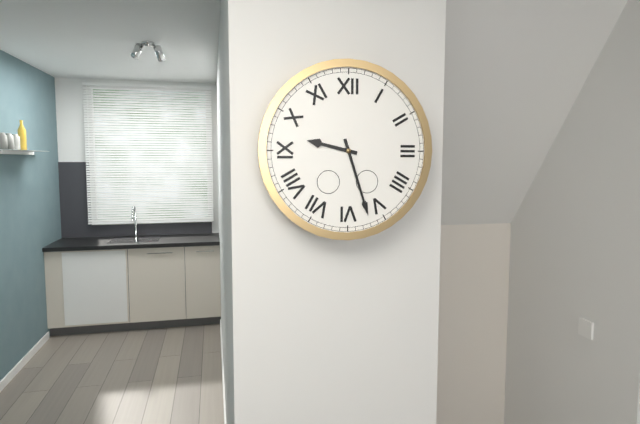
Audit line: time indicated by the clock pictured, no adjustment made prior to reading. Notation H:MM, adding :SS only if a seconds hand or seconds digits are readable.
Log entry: 9:27
